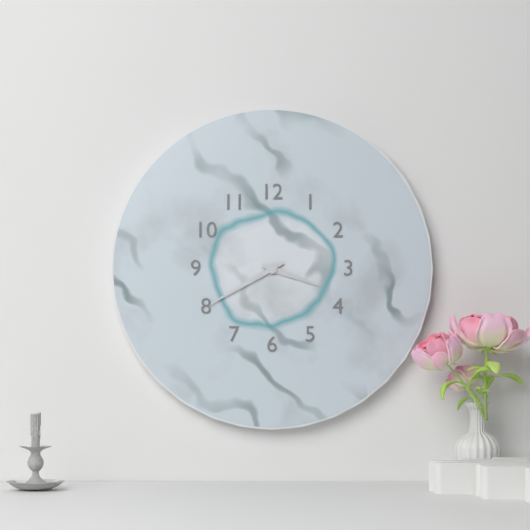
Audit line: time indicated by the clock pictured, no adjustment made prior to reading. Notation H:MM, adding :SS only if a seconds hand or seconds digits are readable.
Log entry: 3:40
